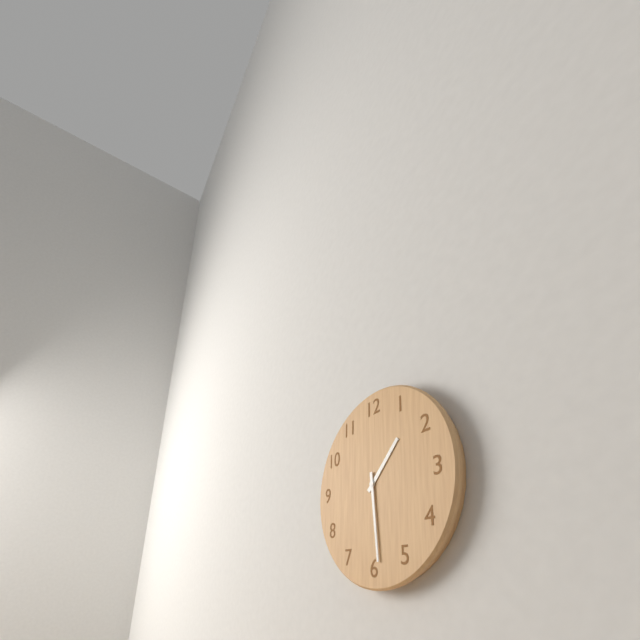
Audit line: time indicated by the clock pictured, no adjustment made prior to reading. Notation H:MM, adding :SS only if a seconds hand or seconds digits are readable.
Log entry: 1:29
